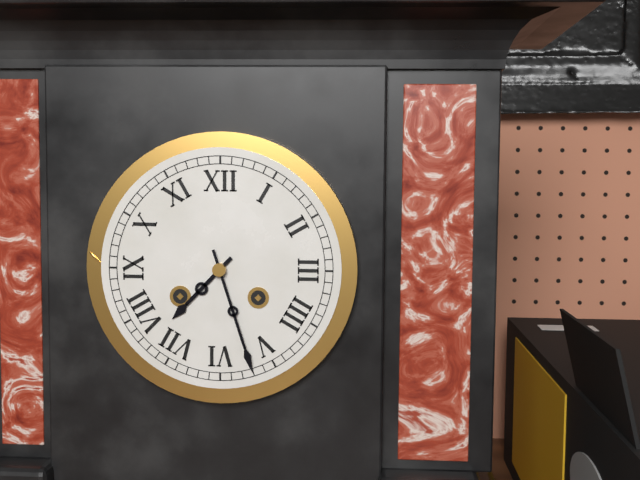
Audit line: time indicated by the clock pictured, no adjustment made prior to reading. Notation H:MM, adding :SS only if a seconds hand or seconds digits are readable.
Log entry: 7:27
